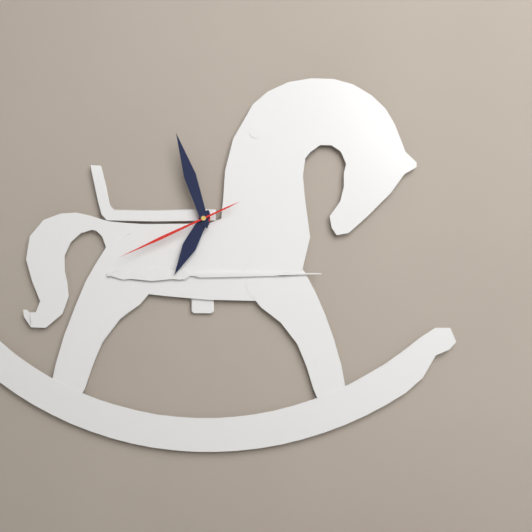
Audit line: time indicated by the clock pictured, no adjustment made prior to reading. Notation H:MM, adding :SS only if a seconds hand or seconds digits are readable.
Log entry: 6:57:41
